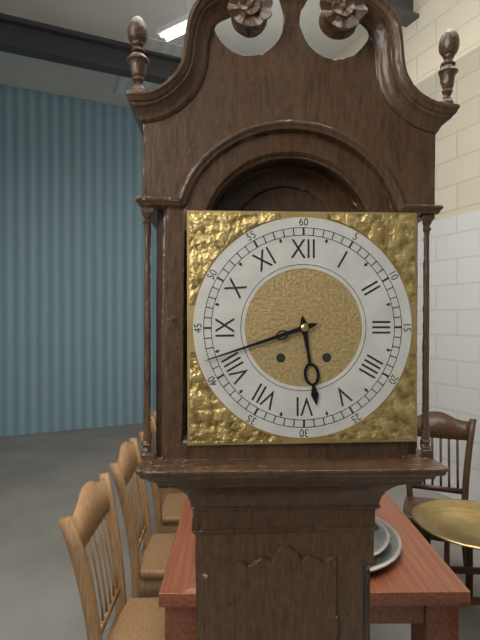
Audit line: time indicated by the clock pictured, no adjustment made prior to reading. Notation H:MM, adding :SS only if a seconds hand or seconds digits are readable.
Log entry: 5:42
